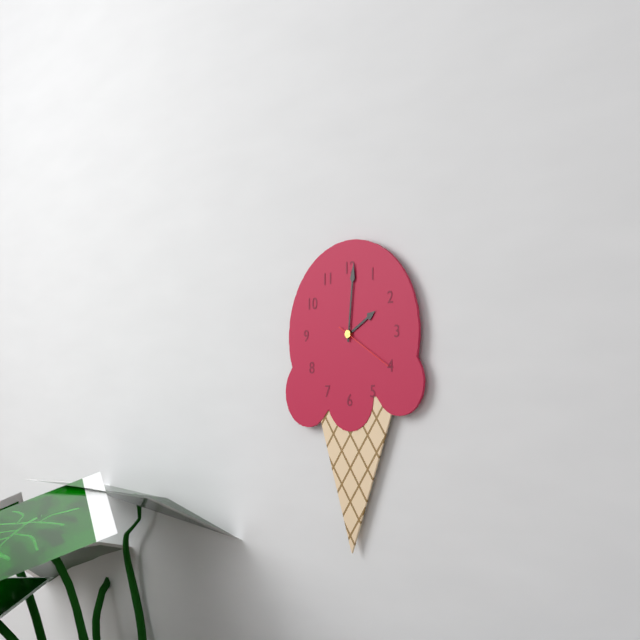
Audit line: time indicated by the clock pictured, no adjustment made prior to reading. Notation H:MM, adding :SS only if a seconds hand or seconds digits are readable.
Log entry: 2:01:20
